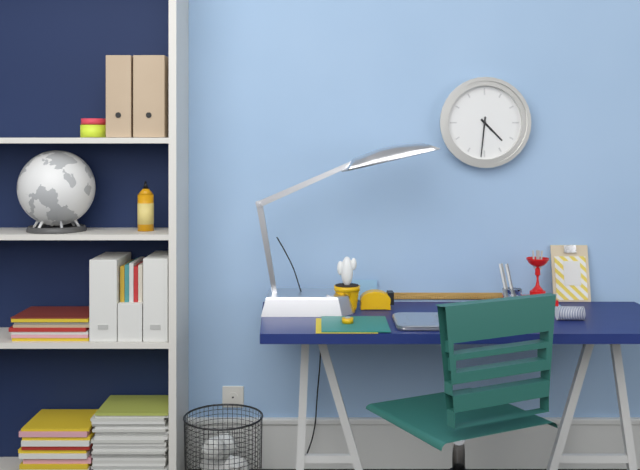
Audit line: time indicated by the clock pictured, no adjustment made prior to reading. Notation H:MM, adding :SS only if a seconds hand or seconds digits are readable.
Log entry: 4:31
